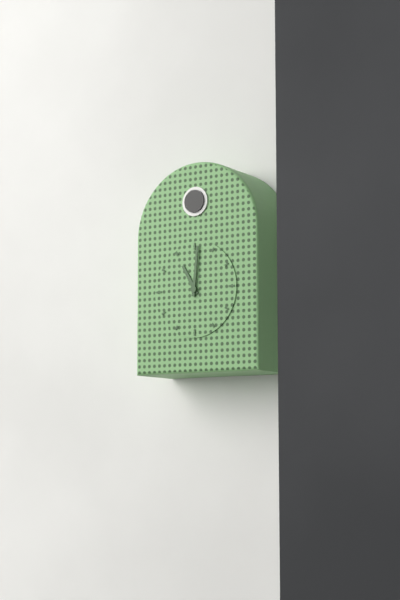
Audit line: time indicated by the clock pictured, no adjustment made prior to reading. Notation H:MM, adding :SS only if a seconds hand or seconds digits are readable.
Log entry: 11:01
